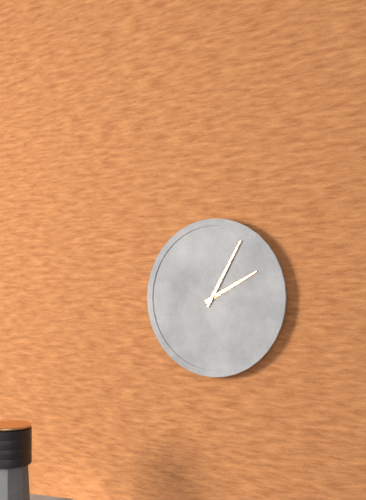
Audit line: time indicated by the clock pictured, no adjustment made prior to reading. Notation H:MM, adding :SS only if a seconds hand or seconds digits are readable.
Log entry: 2:05
